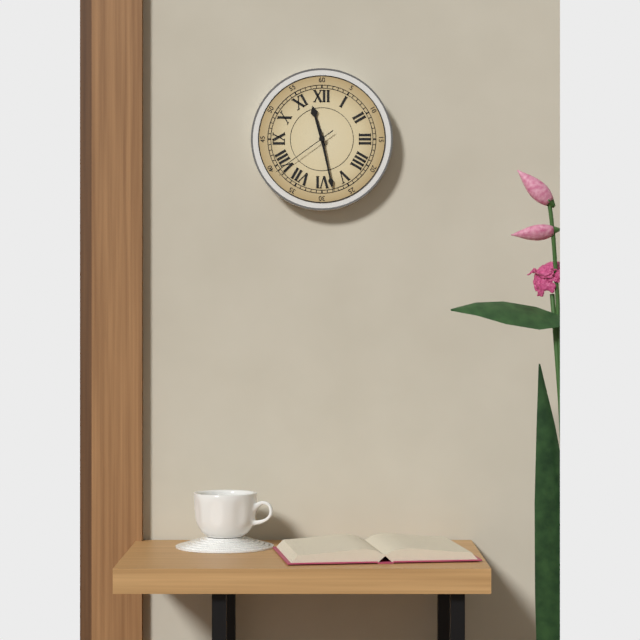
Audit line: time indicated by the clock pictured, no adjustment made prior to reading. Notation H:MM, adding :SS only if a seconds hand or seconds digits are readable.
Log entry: 11:28:39
